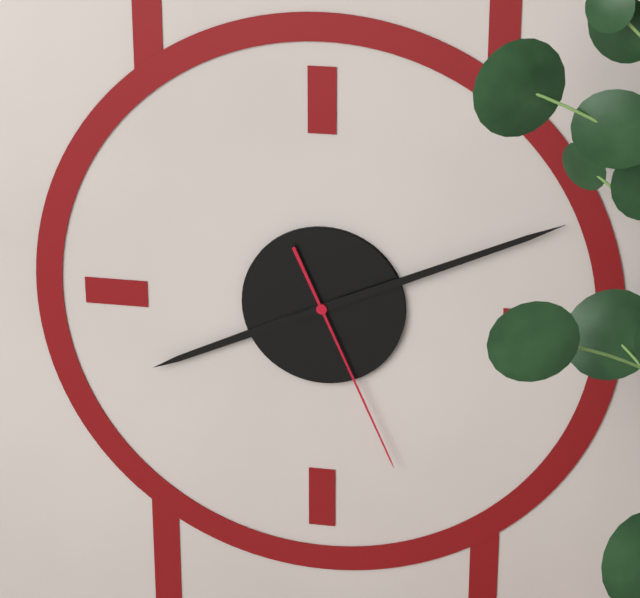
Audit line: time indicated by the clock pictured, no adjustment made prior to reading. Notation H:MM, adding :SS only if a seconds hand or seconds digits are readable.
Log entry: 8:11:26
